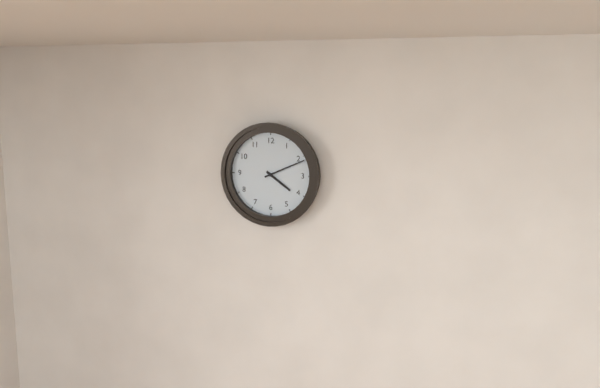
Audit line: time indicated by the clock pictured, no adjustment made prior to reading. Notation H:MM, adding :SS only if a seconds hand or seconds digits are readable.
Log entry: 4:11
